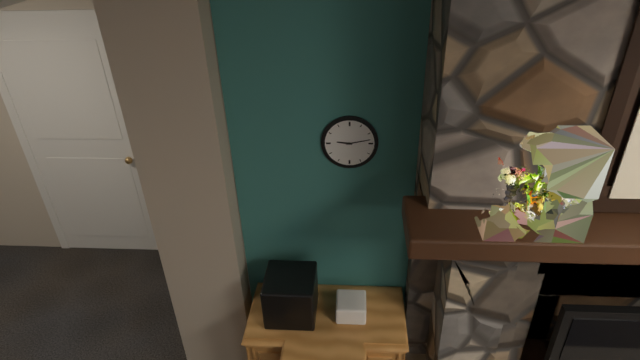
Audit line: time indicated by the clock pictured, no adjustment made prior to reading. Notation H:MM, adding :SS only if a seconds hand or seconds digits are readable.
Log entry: 9:13
